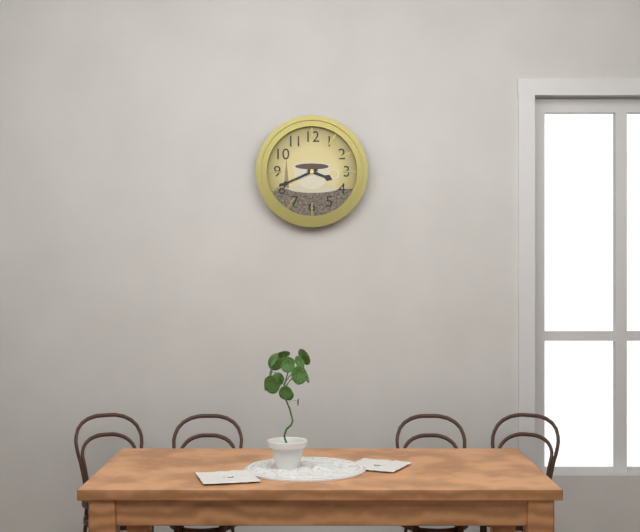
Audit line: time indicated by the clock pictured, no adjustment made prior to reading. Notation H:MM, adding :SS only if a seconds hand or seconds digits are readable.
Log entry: 3:41
